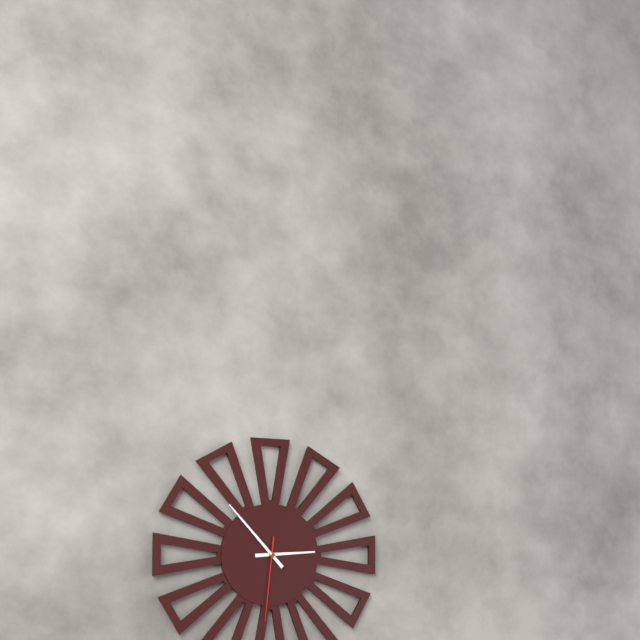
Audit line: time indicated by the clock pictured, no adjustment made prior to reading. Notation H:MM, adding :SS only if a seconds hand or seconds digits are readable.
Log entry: 2:53:31
